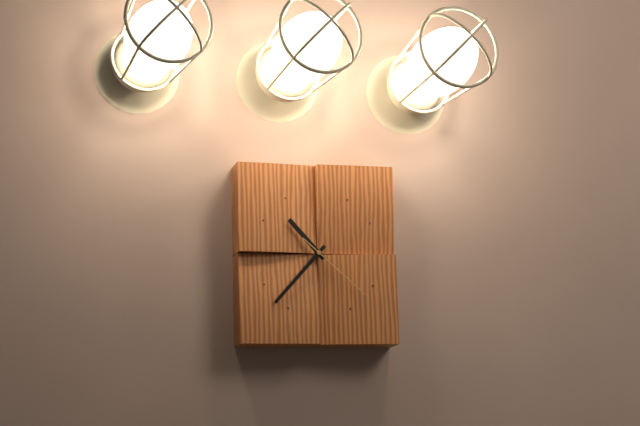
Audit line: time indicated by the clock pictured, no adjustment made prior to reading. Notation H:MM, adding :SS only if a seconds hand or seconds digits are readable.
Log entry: 10:37:22
